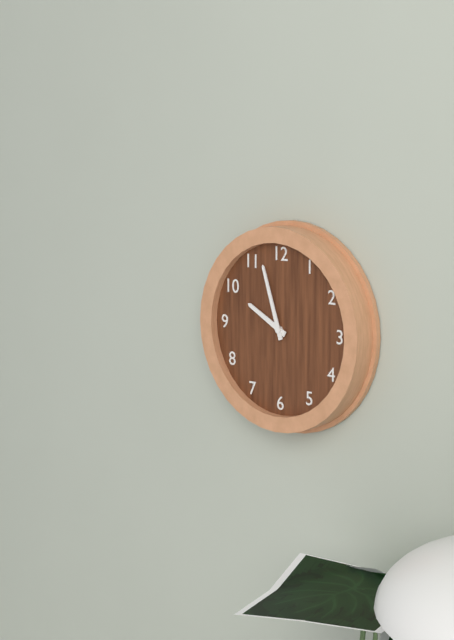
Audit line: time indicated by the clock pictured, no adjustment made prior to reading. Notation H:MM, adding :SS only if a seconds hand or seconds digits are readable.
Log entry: 9:57
